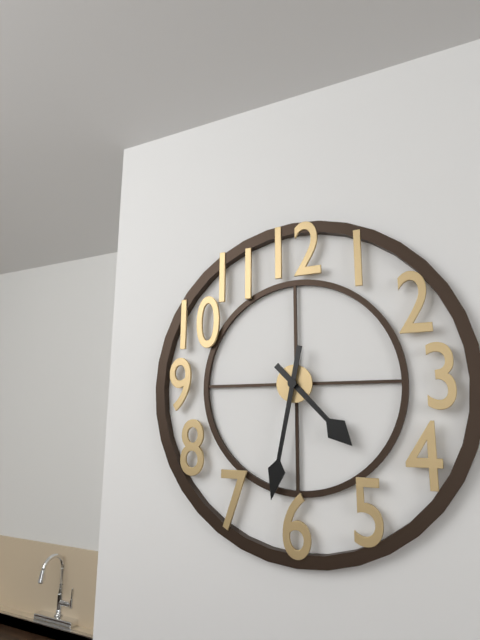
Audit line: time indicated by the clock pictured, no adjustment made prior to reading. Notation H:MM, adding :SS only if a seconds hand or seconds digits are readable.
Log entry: 4:32
